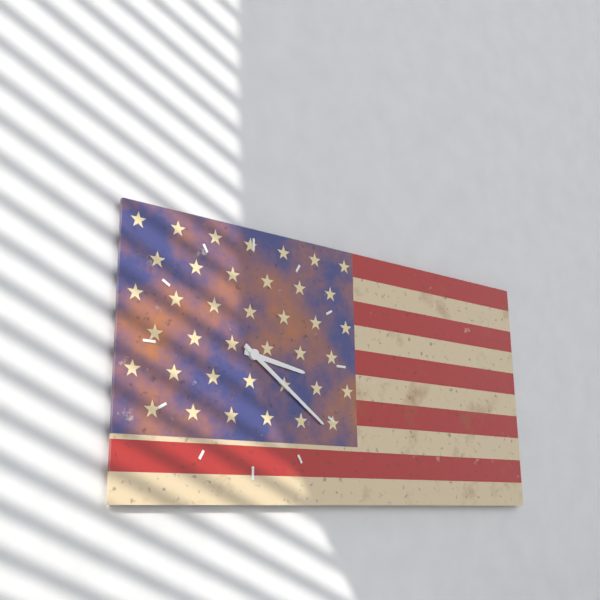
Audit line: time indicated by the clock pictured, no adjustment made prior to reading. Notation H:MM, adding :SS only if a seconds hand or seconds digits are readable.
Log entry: 3:21
